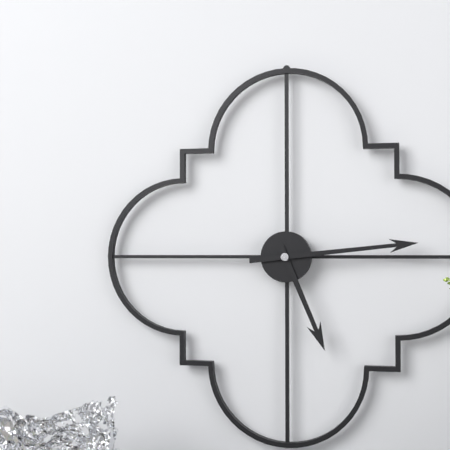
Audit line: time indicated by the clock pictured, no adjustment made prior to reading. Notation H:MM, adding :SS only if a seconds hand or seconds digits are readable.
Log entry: 5:14
